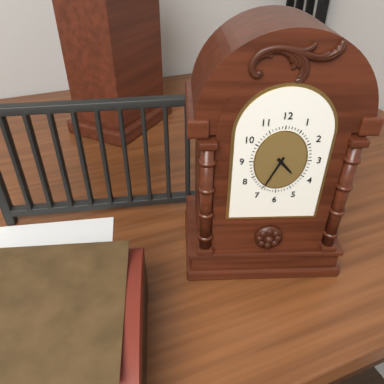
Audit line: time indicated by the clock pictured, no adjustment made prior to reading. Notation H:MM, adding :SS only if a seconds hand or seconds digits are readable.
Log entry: 4:34
